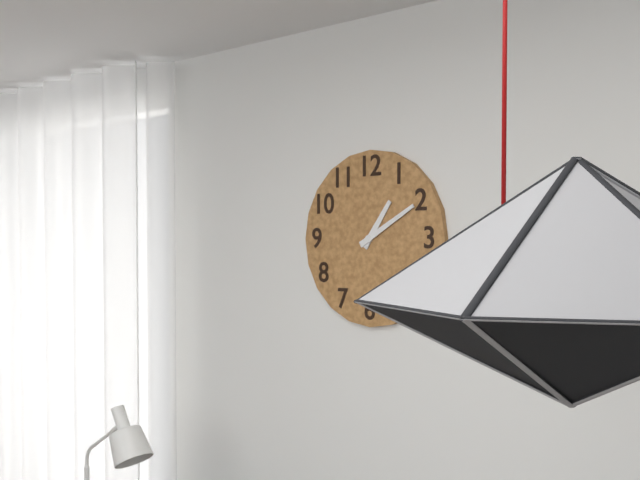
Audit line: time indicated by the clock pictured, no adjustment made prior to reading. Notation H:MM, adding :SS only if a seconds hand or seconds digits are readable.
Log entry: 1:10
